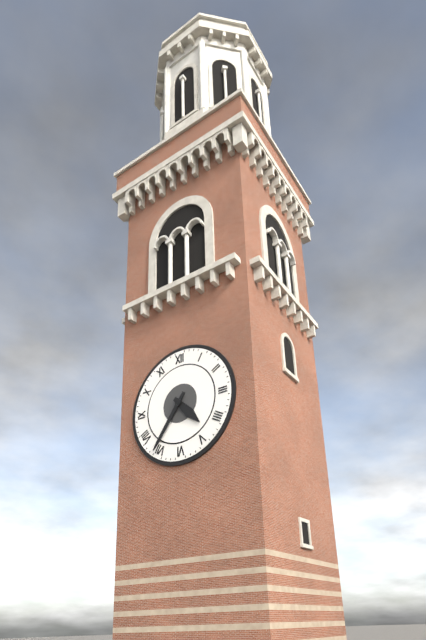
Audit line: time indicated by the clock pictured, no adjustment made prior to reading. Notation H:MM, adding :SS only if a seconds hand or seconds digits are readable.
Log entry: 4:36
